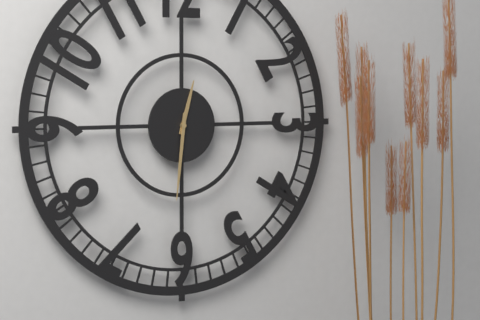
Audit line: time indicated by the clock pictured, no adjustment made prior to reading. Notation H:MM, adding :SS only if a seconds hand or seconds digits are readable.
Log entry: 12:31
